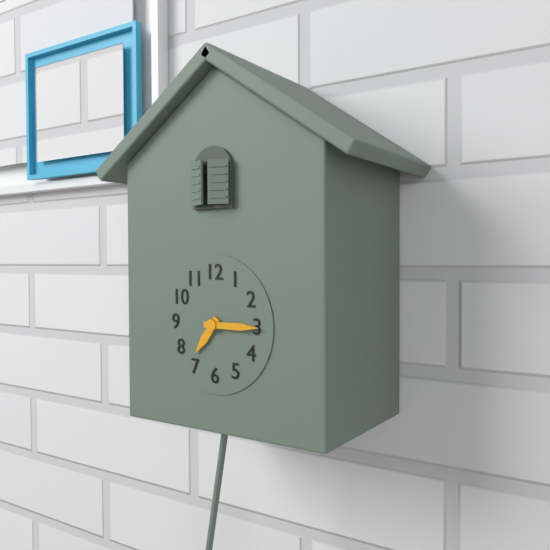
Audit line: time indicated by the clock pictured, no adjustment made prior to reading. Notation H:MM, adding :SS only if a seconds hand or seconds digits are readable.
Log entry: 7:15
